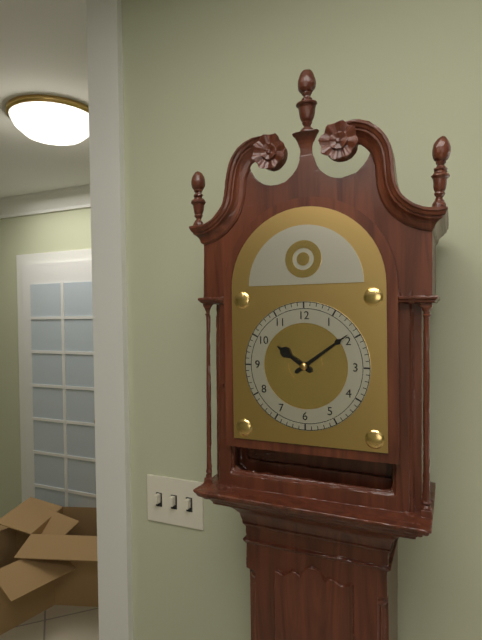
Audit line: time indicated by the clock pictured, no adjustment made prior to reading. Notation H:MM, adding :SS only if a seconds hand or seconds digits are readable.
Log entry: 10:09
